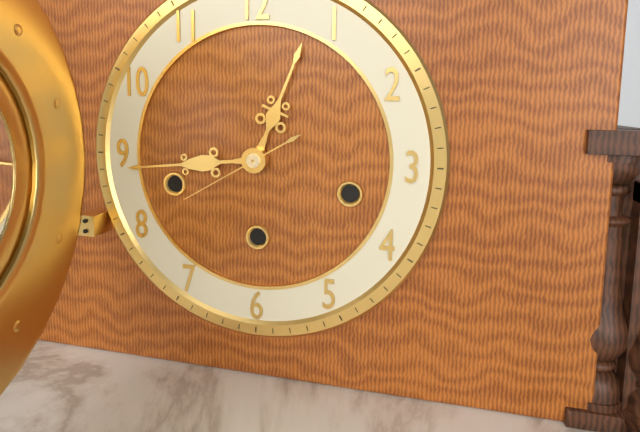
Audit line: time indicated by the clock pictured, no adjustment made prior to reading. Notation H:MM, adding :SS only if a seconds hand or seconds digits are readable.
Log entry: 12:44:40
